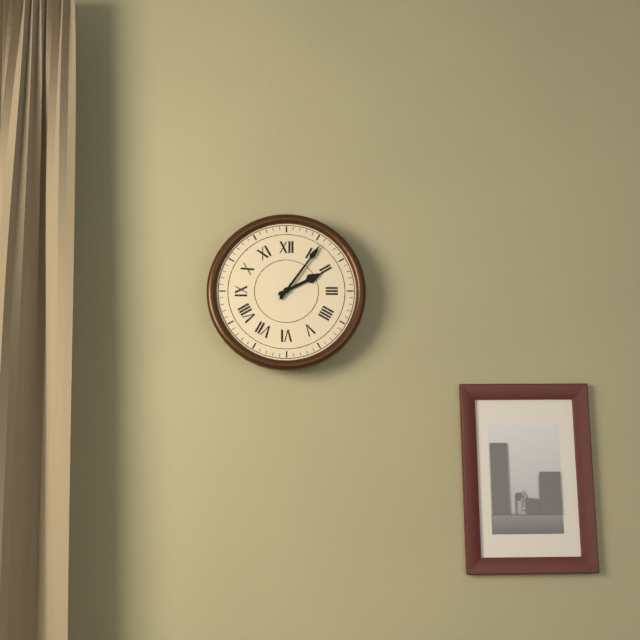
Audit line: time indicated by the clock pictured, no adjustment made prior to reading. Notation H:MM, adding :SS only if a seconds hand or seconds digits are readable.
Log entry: 2:06
